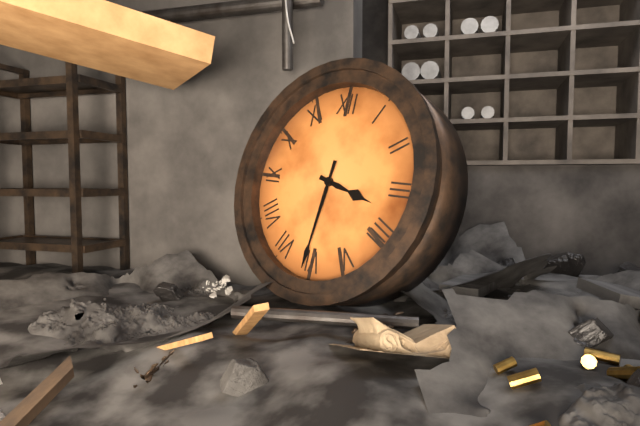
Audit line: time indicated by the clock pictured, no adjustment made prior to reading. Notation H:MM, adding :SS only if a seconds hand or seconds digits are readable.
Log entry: 3:31
